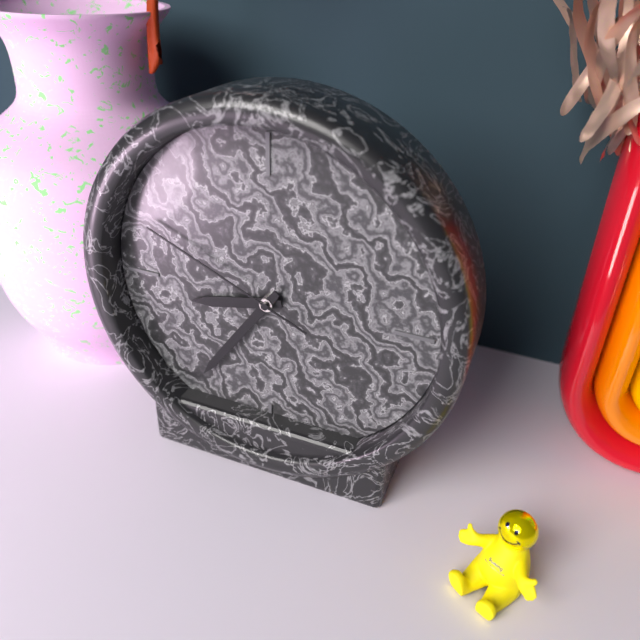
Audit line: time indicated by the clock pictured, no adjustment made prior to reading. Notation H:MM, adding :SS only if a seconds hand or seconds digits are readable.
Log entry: 8:36:49
